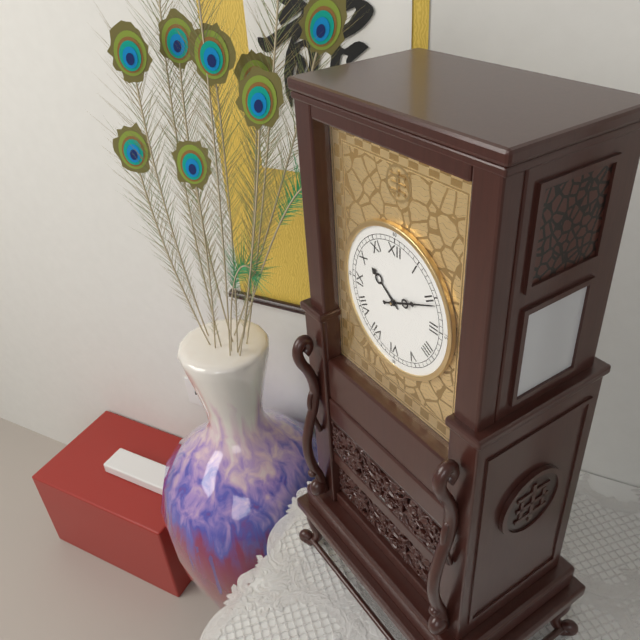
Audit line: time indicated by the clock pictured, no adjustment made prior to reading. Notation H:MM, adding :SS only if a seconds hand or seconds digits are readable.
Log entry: 10:11
